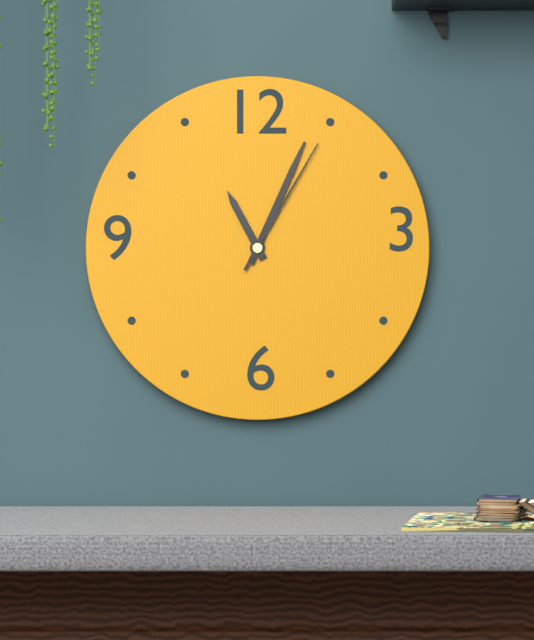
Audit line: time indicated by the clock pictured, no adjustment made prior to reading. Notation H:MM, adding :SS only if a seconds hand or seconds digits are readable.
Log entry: 11:04:05
